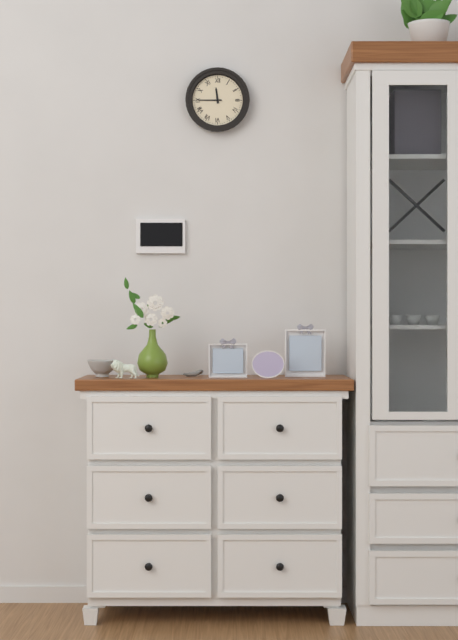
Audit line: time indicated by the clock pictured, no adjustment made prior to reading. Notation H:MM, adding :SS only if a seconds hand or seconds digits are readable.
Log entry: 11:45
